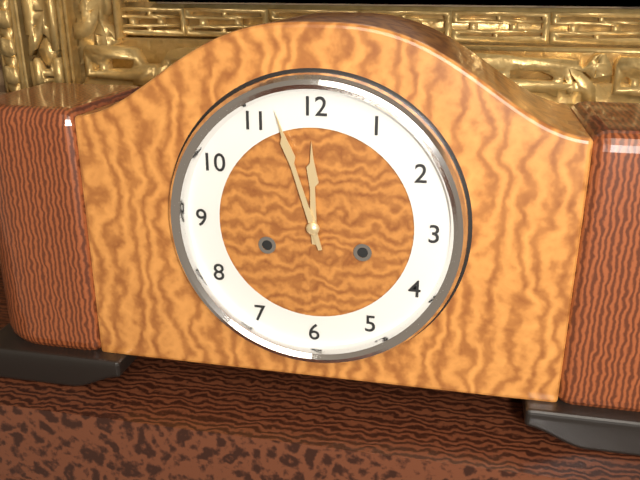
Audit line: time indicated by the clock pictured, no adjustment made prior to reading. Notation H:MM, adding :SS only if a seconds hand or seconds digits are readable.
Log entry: 11:57
